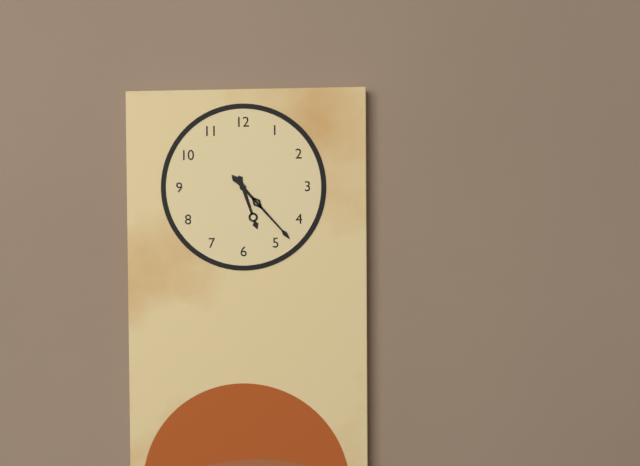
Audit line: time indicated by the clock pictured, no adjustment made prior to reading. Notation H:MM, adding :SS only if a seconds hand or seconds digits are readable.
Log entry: 5:23
